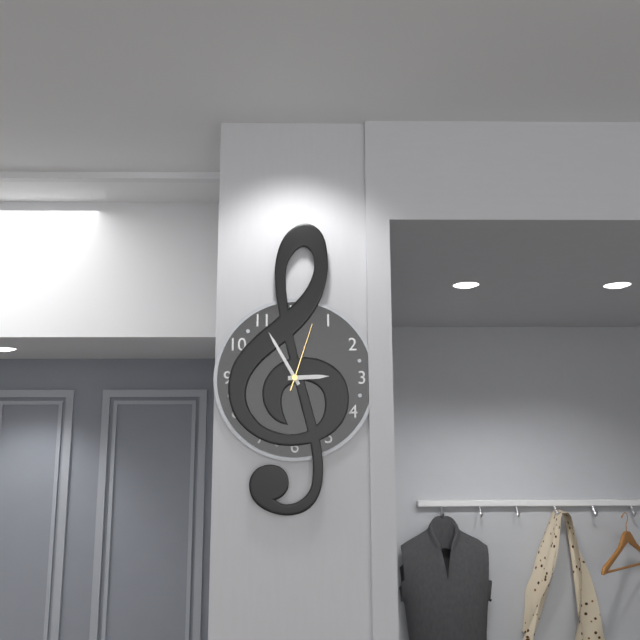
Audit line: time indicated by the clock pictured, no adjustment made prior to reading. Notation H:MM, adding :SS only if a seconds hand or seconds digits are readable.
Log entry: 2:55:03
